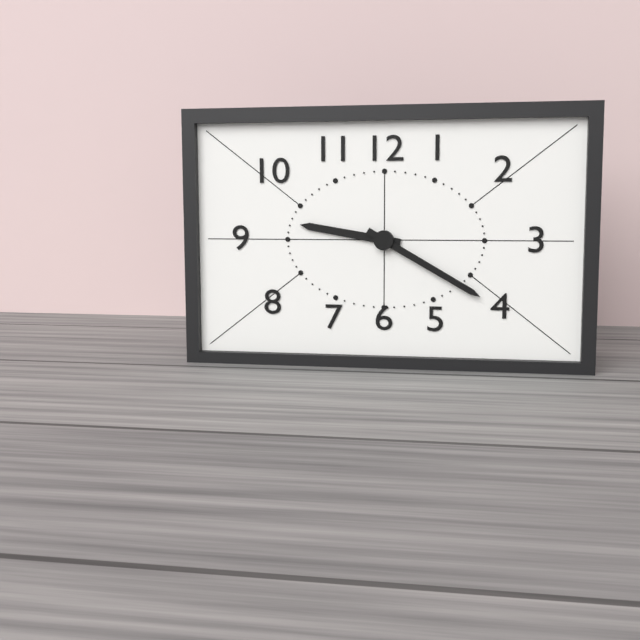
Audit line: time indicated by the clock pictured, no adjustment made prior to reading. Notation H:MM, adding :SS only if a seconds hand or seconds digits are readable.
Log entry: 9:20
